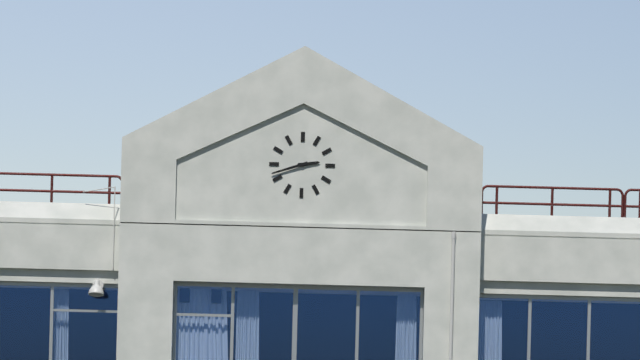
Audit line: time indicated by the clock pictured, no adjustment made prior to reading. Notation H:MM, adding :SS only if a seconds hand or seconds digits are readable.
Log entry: 2:42
